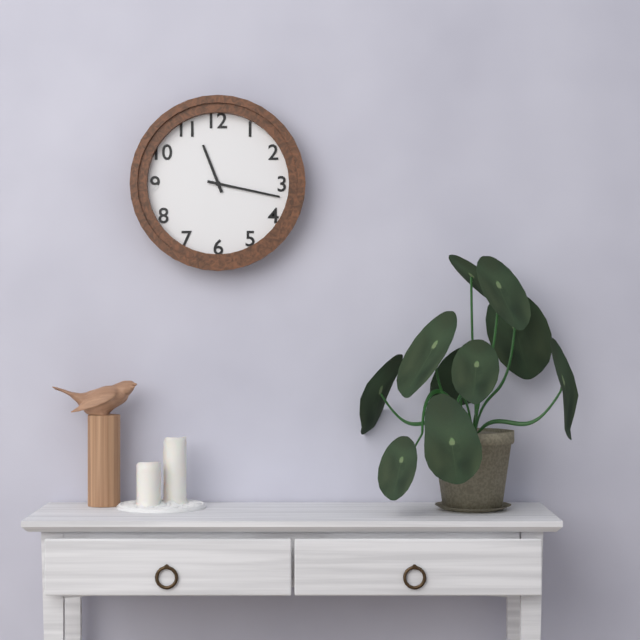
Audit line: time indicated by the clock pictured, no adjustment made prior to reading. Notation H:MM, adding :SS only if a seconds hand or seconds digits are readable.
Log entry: 11:17
